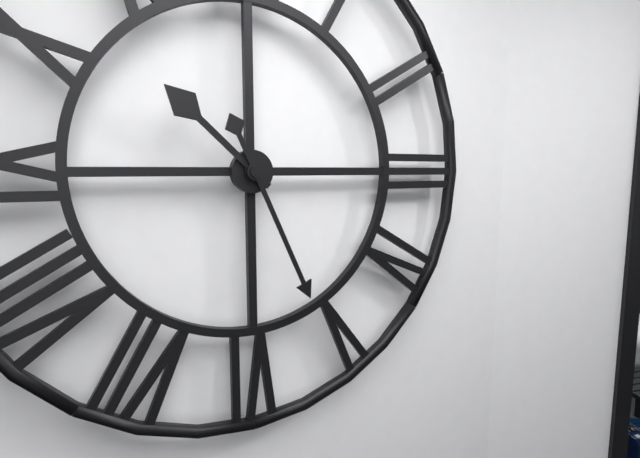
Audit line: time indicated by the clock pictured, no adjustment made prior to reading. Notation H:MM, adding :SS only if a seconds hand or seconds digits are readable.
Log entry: 10:26
